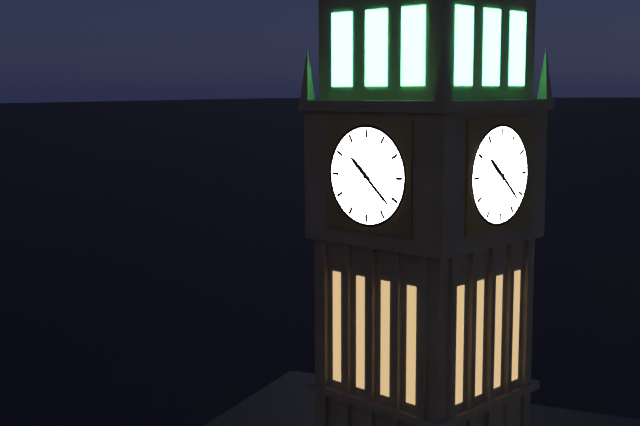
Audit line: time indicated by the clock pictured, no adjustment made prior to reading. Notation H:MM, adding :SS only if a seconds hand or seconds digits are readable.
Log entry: 10:22
